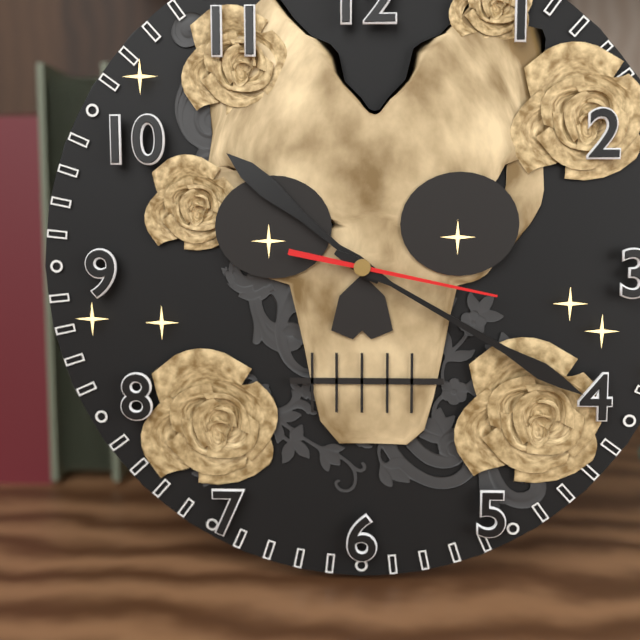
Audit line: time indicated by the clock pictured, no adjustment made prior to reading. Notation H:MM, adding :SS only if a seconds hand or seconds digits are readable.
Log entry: 10:20:17
